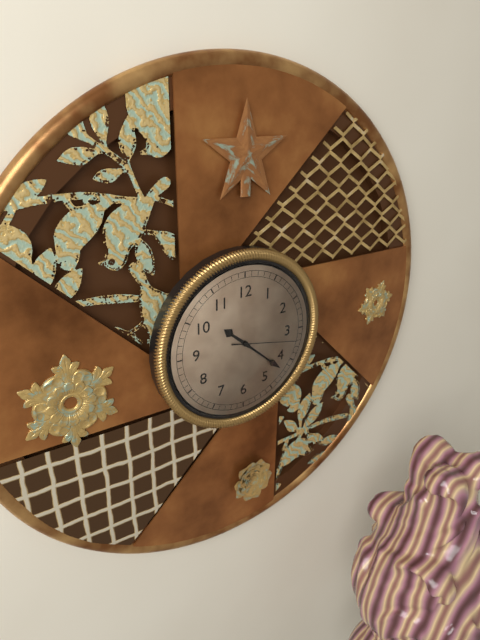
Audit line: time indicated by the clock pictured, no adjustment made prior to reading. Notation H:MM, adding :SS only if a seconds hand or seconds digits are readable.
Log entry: 10:22:17
